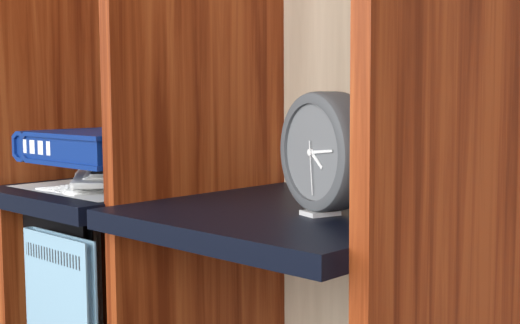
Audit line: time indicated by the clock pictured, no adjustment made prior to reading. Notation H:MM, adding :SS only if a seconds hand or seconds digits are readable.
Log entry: 4:14:29
